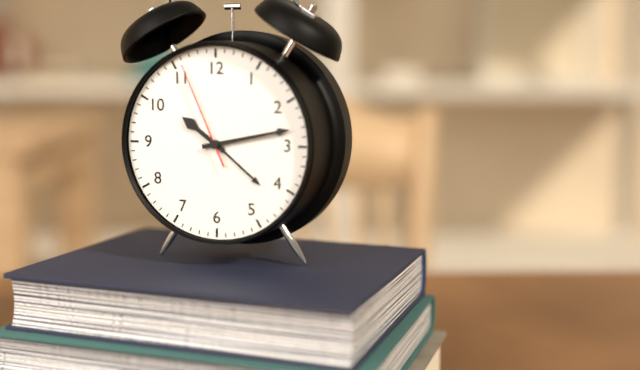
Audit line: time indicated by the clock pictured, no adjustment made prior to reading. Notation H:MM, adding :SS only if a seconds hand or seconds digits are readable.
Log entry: 10:13:56
